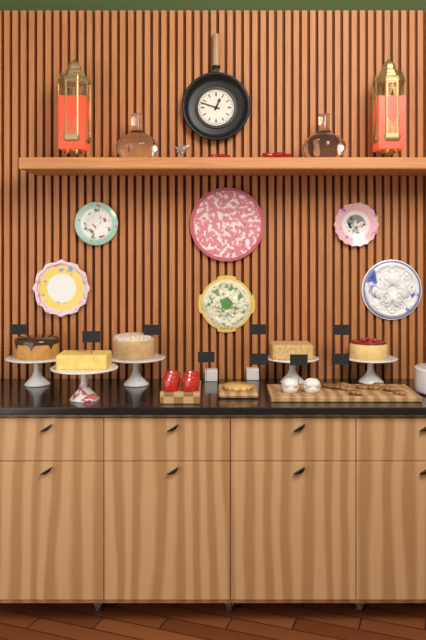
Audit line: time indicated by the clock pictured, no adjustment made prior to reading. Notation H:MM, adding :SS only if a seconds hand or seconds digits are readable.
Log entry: 12:48
